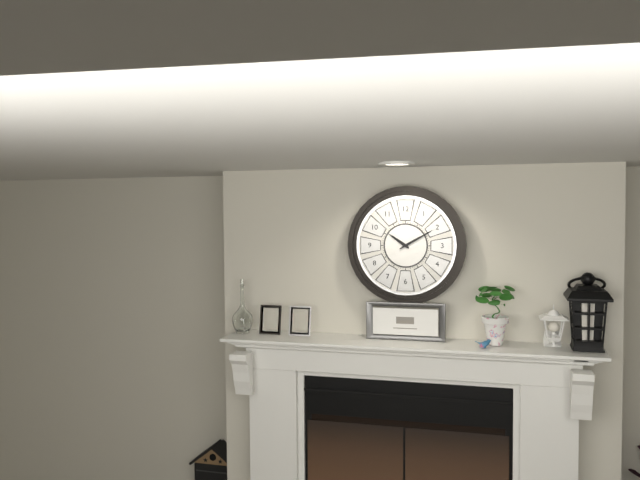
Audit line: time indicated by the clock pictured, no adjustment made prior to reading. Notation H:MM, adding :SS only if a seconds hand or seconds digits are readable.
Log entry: 10:10
